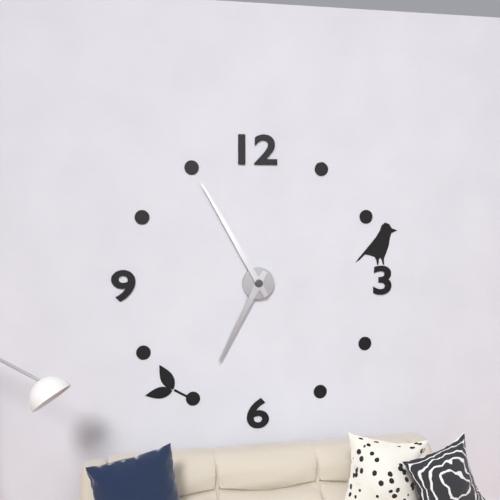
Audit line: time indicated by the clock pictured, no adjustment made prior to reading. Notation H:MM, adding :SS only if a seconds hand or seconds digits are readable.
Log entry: 6:55
